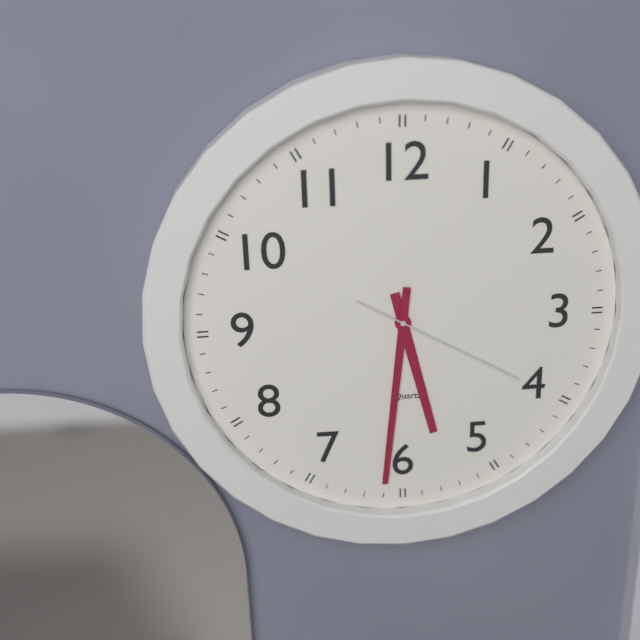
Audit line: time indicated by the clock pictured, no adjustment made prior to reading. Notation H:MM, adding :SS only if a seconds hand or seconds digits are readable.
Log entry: 5:31:20
